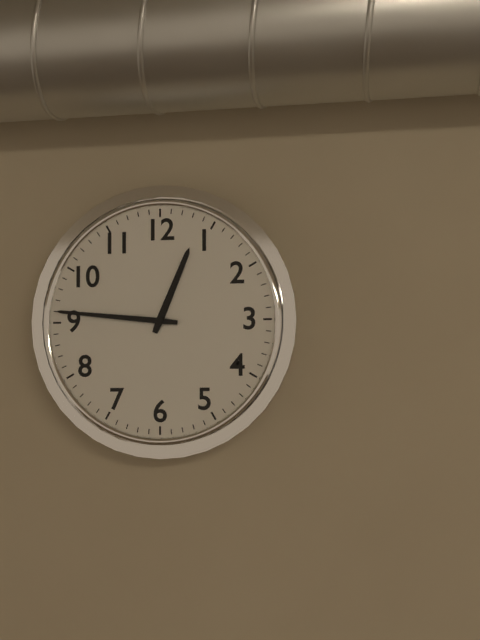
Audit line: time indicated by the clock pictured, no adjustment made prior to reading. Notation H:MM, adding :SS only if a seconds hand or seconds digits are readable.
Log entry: 12:46
